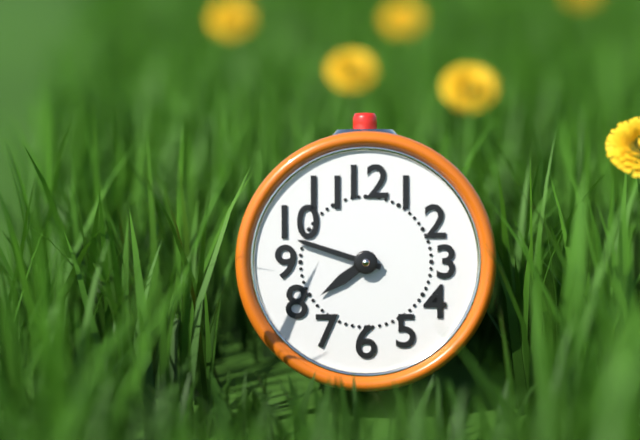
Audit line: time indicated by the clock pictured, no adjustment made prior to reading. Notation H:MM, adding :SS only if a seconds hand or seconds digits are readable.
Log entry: 7:48
